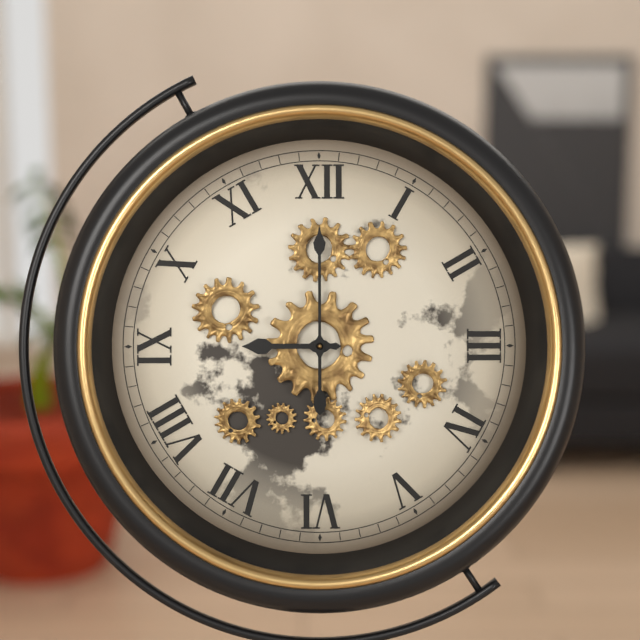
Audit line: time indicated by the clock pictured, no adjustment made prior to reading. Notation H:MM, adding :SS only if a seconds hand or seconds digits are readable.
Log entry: 9:00
